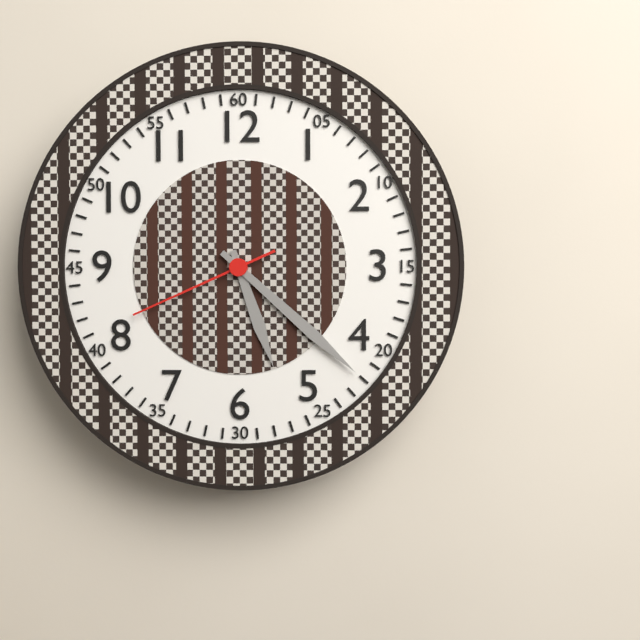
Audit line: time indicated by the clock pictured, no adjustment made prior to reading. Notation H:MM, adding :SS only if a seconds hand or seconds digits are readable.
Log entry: 5:22:41
